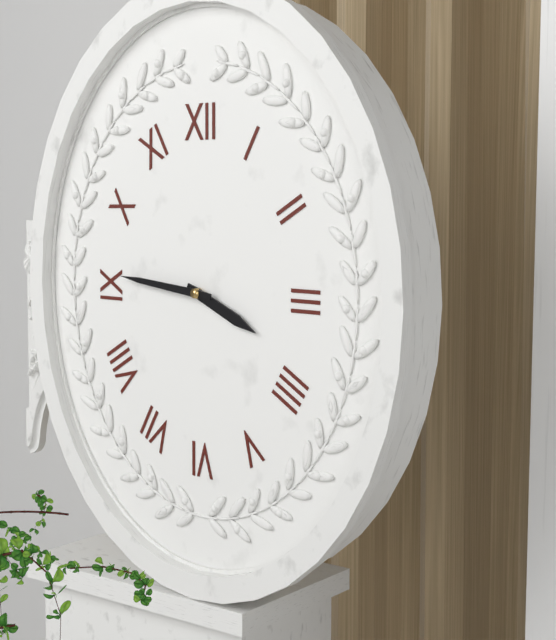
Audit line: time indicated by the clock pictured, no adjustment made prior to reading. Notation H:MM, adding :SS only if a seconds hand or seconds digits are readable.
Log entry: 3:46
